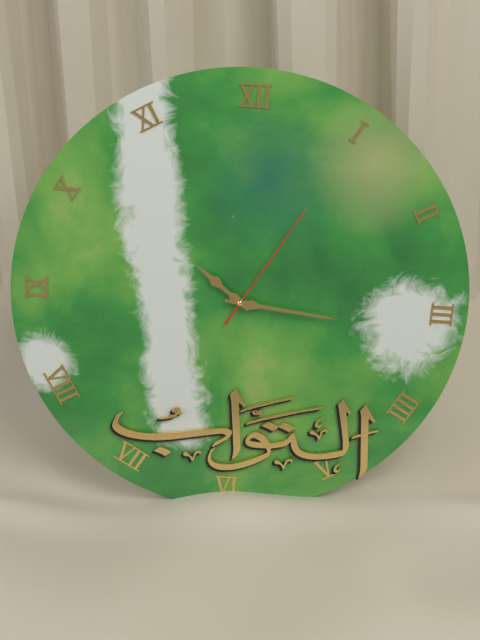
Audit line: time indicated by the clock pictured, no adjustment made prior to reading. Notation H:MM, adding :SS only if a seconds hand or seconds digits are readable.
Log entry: 10:16:05
